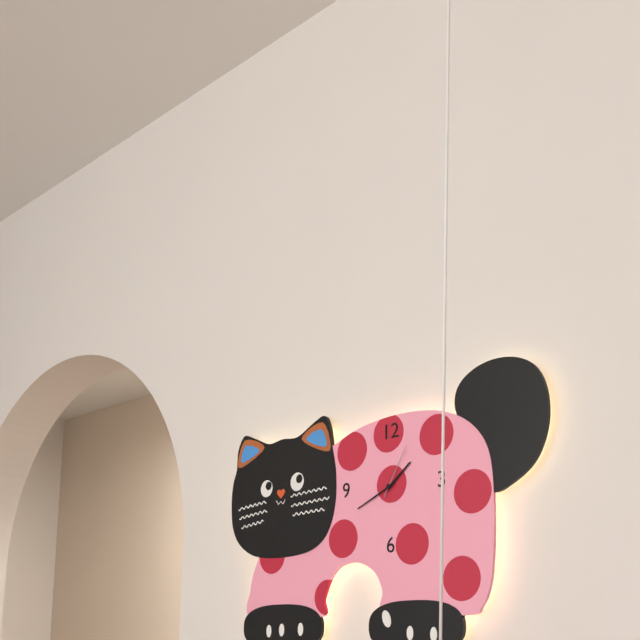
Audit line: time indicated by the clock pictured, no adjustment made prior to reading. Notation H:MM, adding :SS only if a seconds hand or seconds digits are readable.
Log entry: 1:41:05
